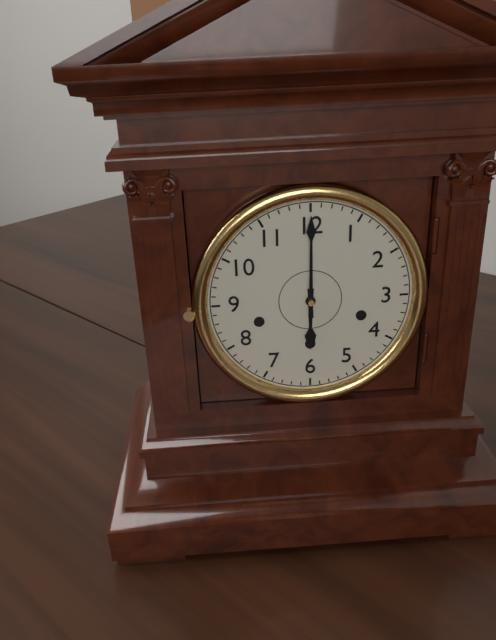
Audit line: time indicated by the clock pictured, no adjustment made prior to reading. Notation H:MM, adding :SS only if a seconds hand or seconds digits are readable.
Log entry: 6:00
